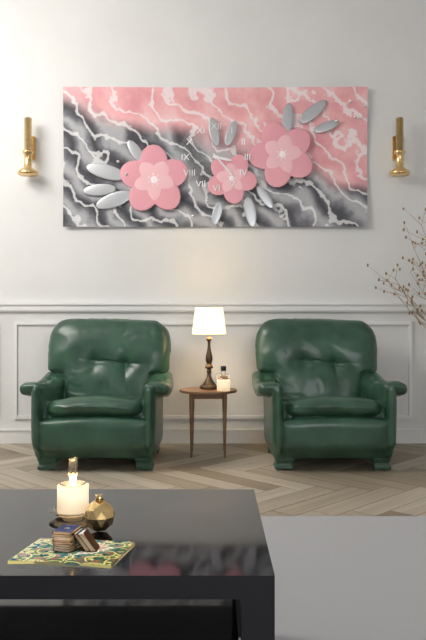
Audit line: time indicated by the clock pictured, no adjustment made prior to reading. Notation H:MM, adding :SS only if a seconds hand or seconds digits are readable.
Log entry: 3:23
